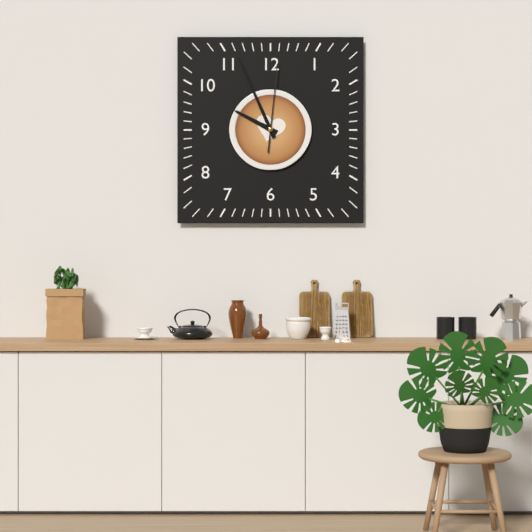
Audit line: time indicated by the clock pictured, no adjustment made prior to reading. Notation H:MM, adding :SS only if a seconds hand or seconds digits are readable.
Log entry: 9:56:01
